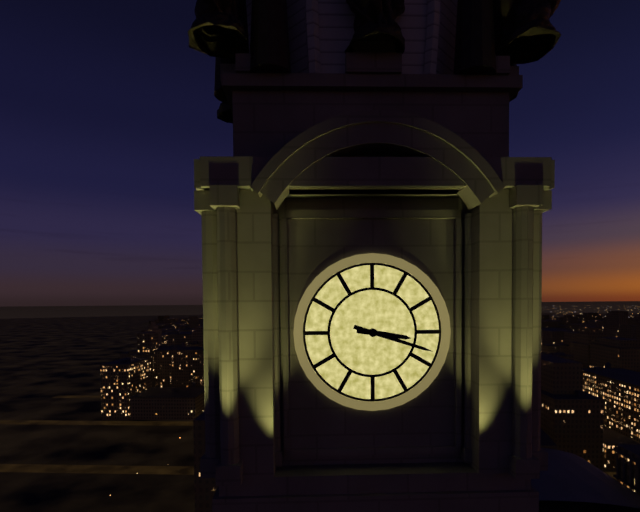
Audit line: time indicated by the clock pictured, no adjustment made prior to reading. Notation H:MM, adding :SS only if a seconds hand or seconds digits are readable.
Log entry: 3:18
